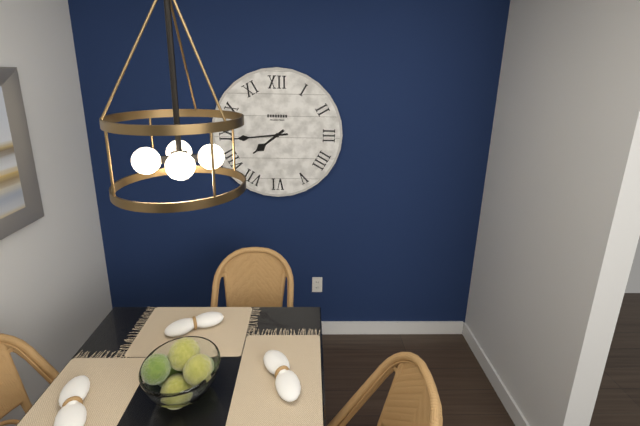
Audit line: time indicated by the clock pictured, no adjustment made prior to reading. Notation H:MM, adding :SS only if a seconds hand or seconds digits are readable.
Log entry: 7:44
